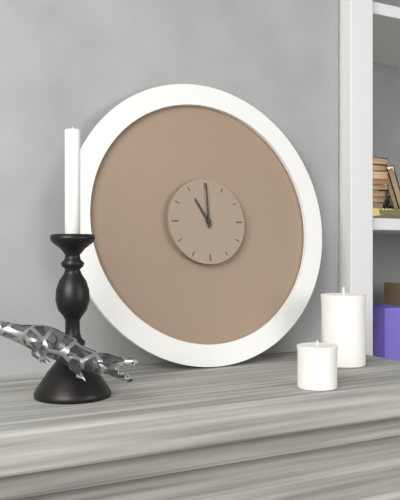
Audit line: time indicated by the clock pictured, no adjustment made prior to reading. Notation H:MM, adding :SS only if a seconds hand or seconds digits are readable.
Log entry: 11:00
